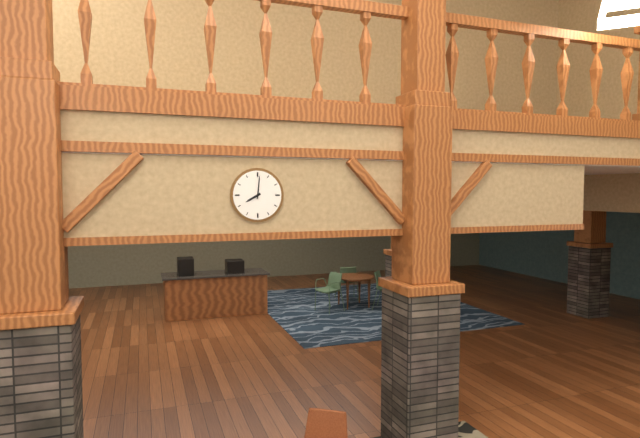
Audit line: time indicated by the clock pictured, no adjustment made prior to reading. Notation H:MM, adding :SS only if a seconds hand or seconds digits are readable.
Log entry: 8:01
